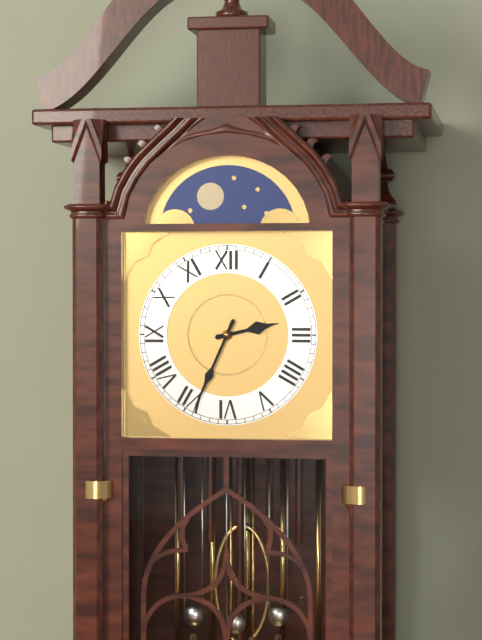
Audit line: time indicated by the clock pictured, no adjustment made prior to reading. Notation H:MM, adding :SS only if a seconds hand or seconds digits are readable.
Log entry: 2:34
